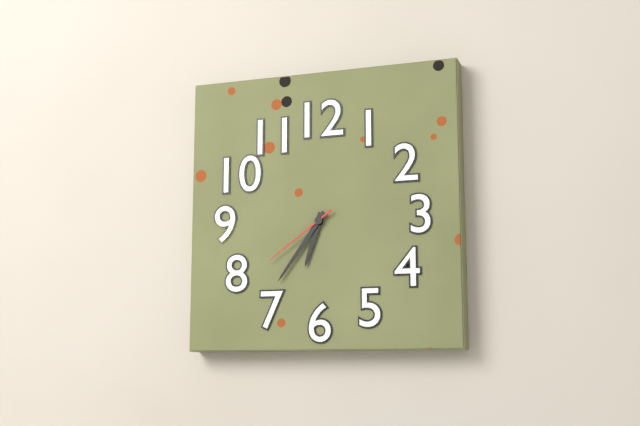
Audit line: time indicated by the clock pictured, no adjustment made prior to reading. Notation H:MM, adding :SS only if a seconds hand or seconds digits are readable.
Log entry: 6:36:39
